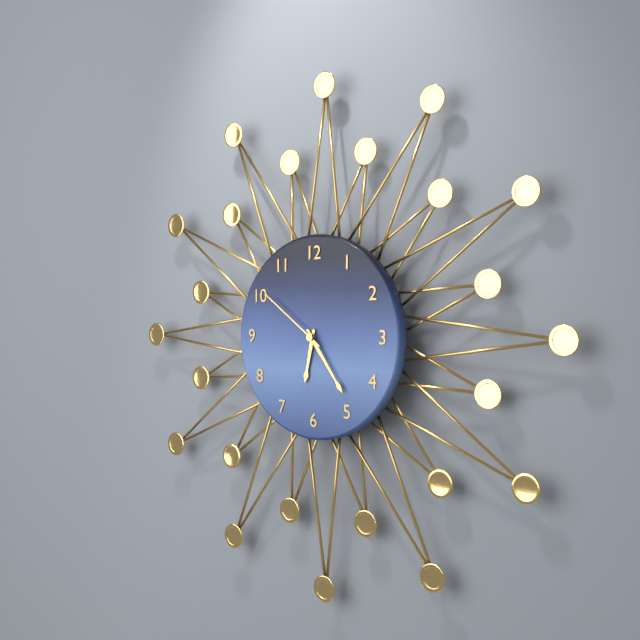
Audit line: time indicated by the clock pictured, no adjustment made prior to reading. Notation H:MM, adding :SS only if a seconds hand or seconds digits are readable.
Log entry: 6:24:51
